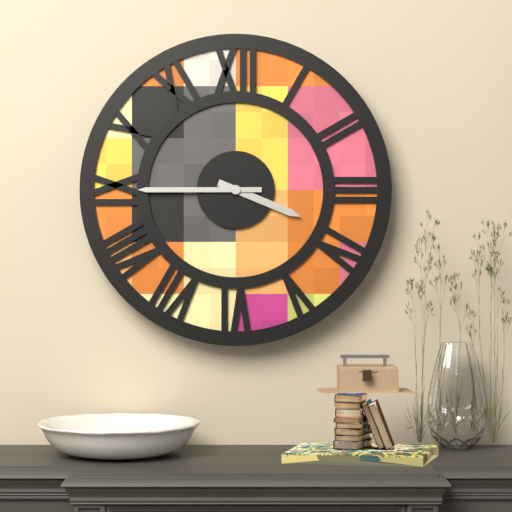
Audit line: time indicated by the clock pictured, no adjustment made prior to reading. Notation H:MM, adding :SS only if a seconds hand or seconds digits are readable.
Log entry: 3:45
